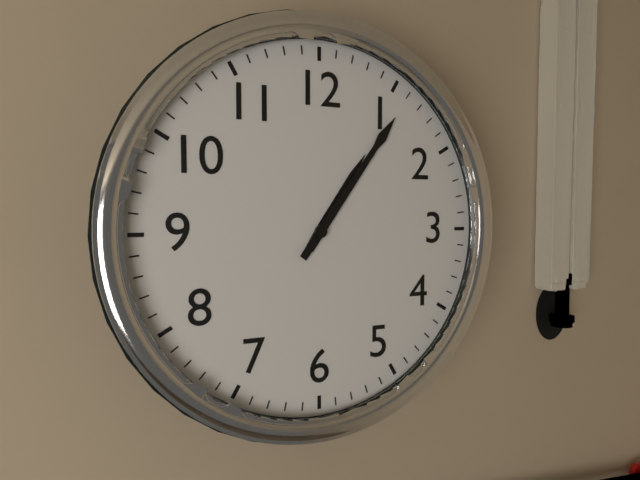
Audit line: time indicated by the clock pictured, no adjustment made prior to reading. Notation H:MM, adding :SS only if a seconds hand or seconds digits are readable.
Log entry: 1:06
